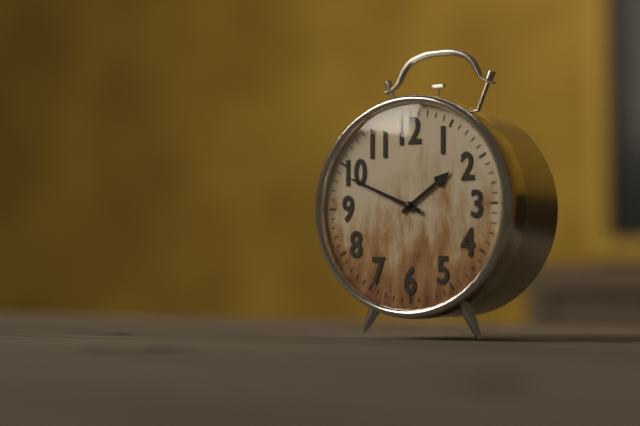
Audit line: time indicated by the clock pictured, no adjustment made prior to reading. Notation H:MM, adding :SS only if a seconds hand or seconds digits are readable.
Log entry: 1:49
